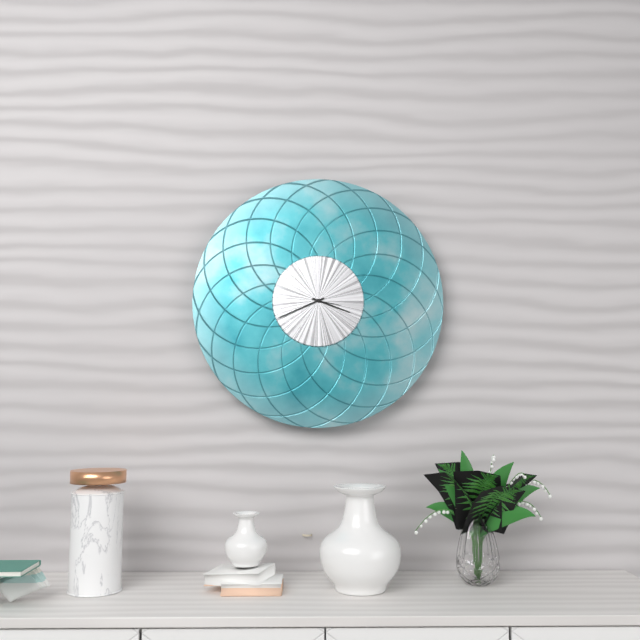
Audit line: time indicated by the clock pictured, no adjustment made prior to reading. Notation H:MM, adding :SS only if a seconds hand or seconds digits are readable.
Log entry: 3:41
